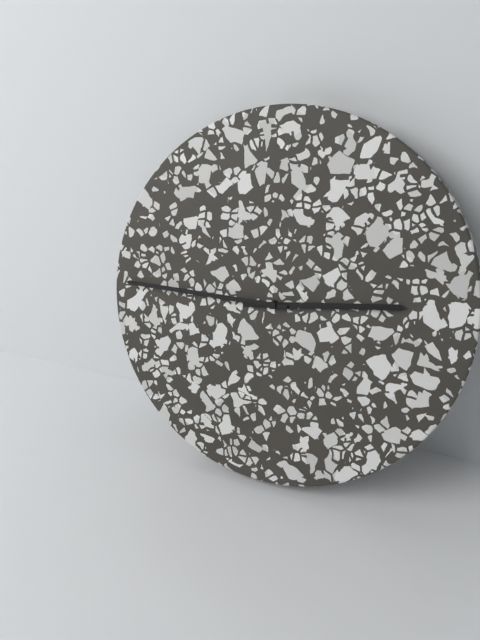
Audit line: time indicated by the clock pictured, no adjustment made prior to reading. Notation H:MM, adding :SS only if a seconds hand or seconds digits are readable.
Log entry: 2:45
